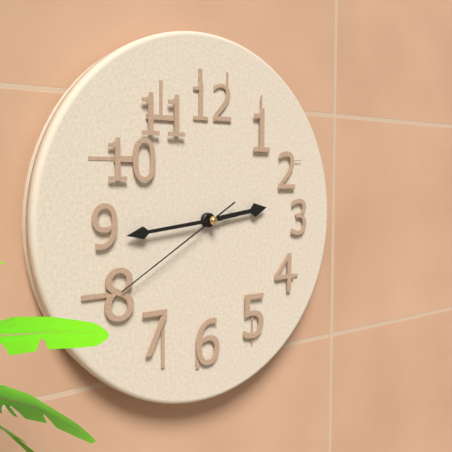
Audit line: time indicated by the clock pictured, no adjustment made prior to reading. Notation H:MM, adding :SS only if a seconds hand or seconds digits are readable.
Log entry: 2:44:40
